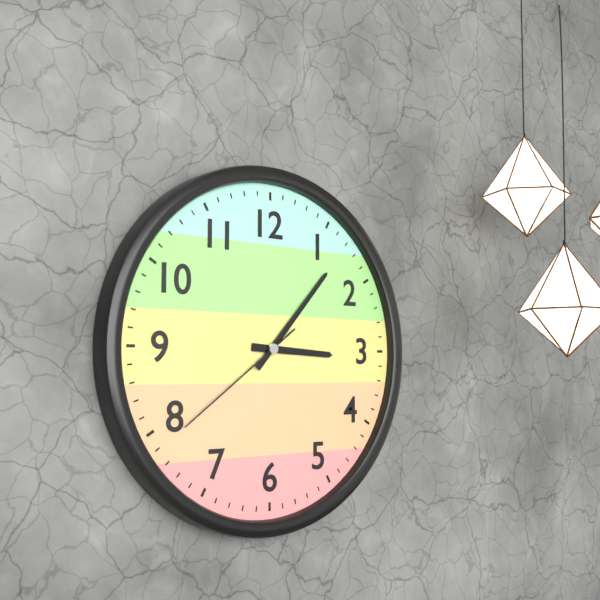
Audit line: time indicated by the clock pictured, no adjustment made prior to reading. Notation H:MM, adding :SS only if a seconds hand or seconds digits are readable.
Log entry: 3:07:39
